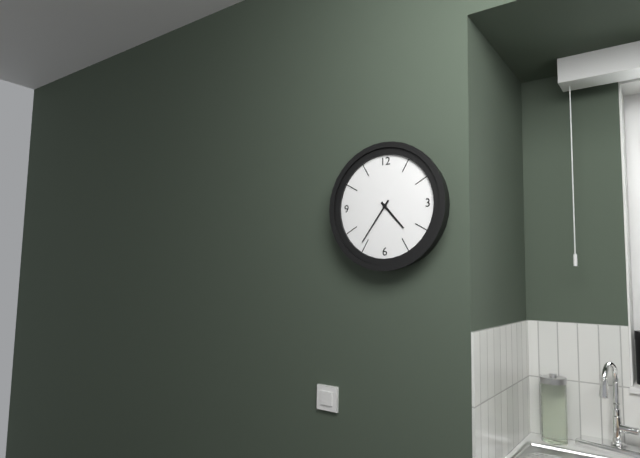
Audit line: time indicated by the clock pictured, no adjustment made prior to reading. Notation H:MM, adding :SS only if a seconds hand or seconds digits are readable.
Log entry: 4:36
